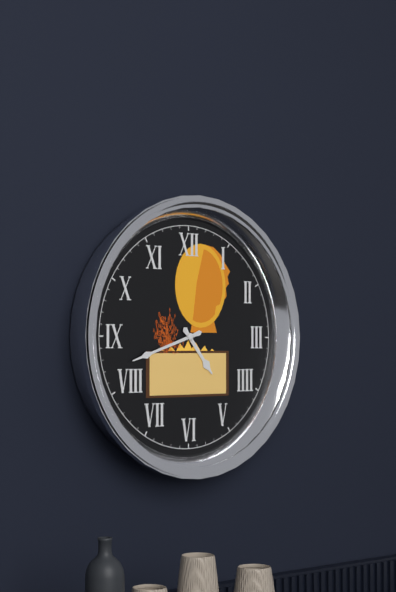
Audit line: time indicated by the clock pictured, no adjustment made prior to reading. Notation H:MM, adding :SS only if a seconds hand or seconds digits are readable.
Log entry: 4:42
